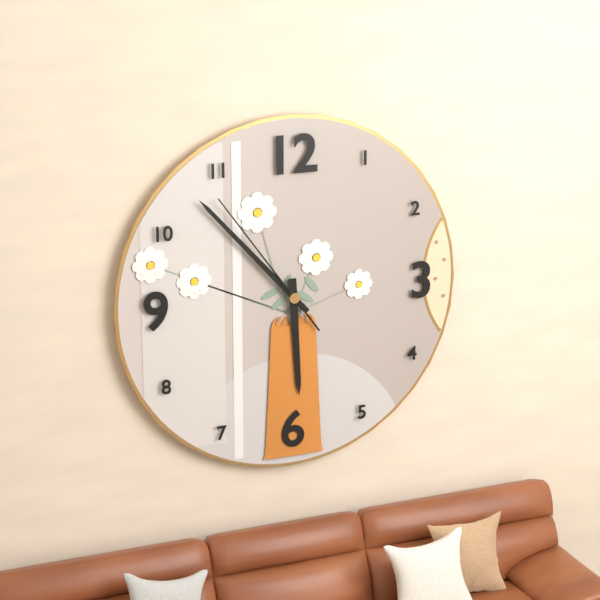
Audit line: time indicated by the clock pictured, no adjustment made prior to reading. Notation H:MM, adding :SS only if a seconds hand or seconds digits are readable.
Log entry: 5:53:54
